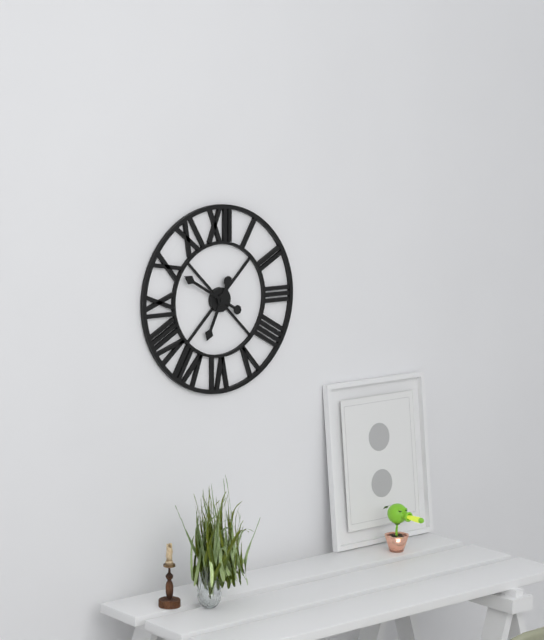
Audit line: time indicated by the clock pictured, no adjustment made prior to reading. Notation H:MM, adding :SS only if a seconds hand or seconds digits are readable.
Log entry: 6:50
